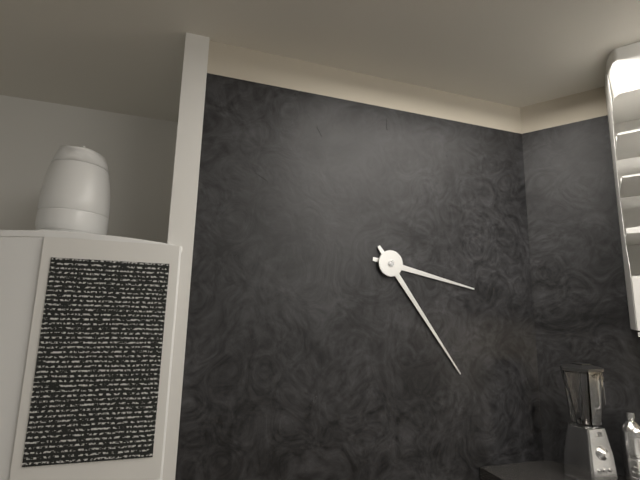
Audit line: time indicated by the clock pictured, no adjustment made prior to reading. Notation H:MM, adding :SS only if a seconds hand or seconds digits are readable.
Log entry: 3:24
